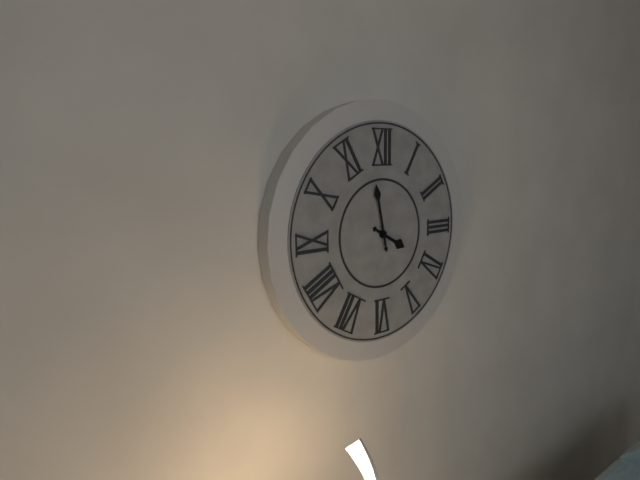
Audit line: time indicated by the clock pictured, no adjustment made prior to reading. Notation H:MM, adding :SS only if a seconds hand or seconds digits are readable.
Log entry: 3:58
